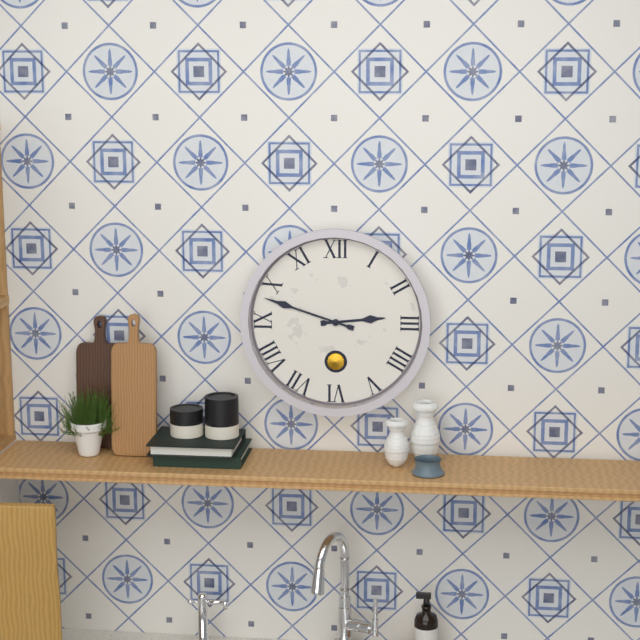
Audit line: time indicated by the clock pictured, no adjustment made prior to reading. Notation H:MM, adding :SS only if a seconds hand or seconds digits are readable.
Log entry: 2:48
